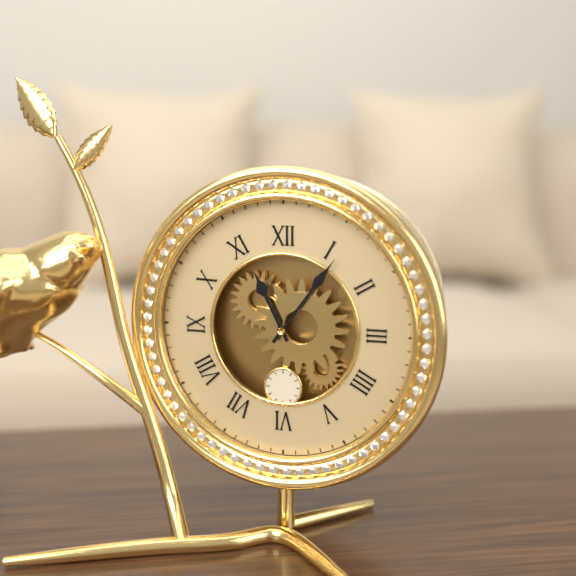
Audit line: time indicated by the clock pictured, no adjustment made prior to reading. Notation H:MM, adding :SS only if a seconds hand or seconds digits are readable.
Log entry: 11:06
